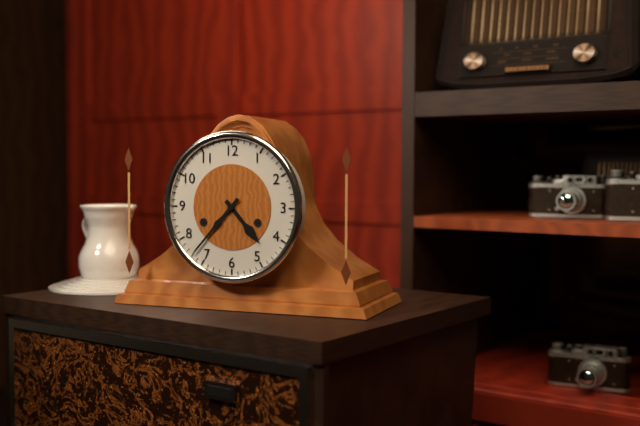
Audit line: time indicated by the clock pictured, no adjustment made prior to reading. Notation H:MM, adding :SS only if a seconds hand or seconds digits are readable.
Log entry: 4:37
